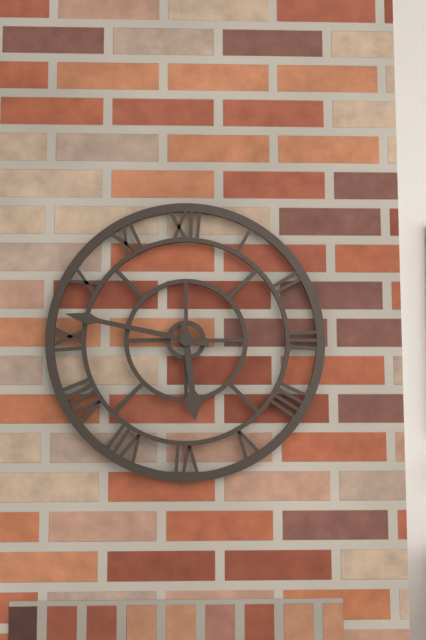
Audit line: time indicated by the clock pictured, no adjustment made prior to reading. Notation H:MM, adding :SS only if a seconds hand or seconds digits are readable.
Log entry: 5:47
